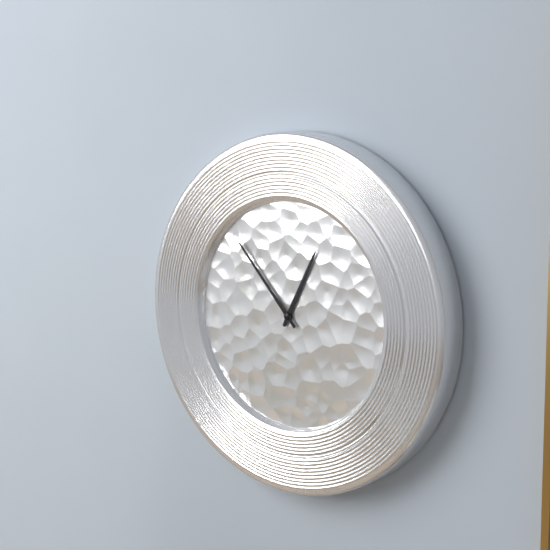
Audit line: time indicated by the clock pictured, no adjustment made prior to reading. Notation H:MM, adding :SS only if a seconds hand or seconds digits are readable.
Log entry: 12:53
